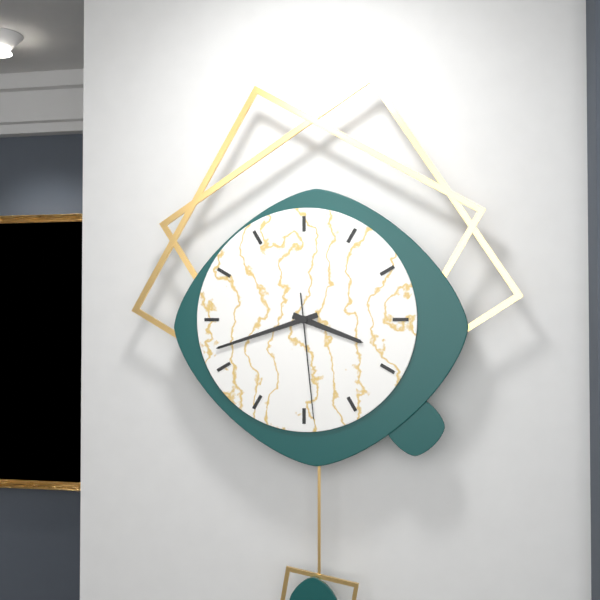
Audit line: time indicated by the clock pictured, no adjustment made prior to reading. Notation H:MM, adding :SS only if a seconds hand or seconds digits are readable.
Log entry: 3:42:29
